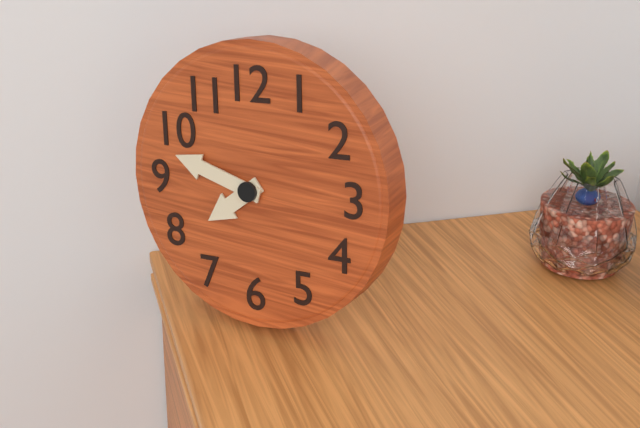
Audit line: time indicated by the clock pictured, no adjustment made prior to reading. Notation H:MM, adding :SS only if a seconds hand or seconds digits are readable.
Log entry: 7:48
